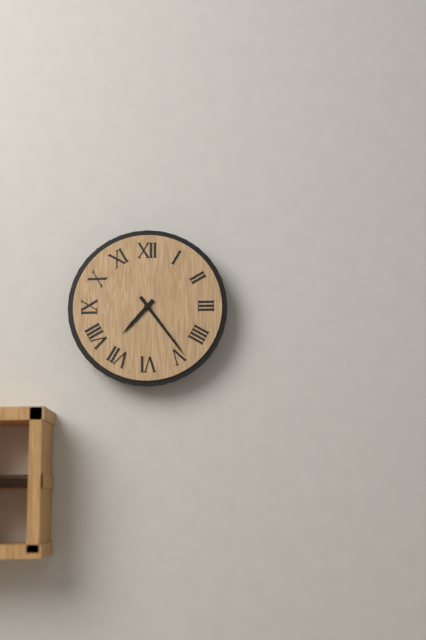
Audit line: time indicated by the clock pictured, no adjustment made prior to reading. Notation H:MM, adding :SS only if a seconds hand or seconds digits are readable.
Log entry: 7:24
